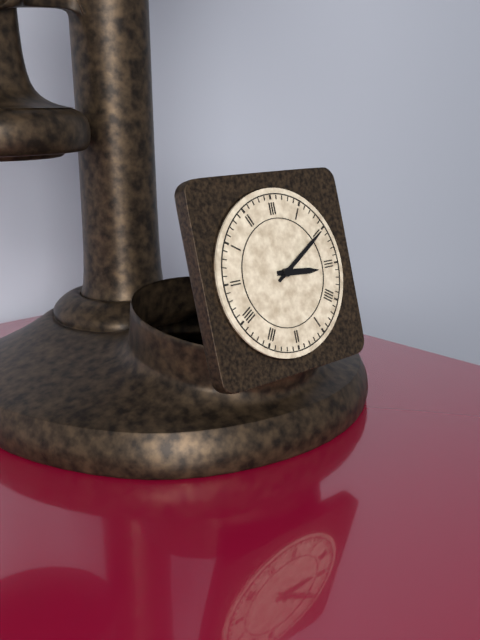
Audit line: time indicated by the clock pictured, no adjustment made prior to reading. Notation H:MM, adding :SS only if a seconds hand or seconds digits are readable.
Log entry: 3:10
